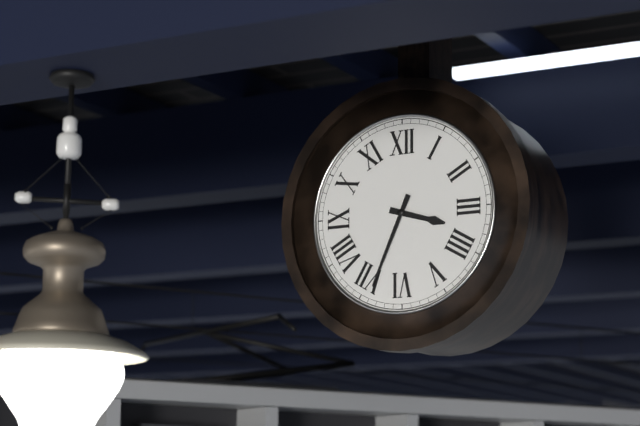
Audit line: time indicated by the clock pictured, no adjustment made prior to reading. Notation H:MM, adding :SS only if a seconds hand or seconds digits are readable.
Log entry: 3:34
